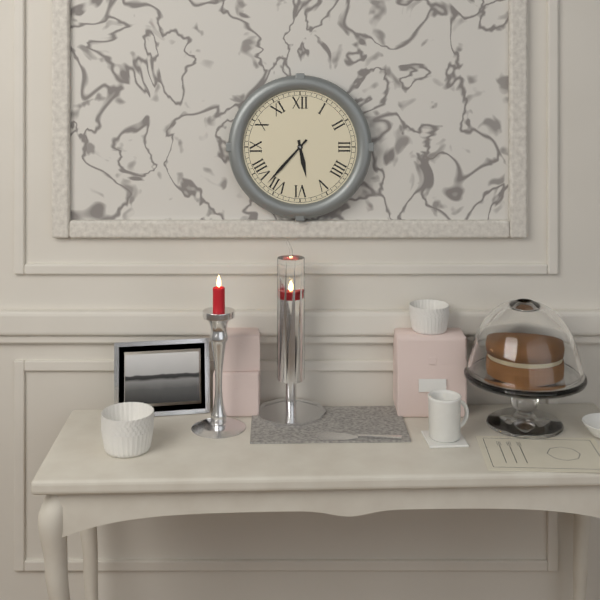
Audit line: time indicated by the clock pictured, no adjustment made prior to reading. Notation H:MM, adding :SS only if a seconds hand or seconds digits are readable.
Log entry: 5:37
